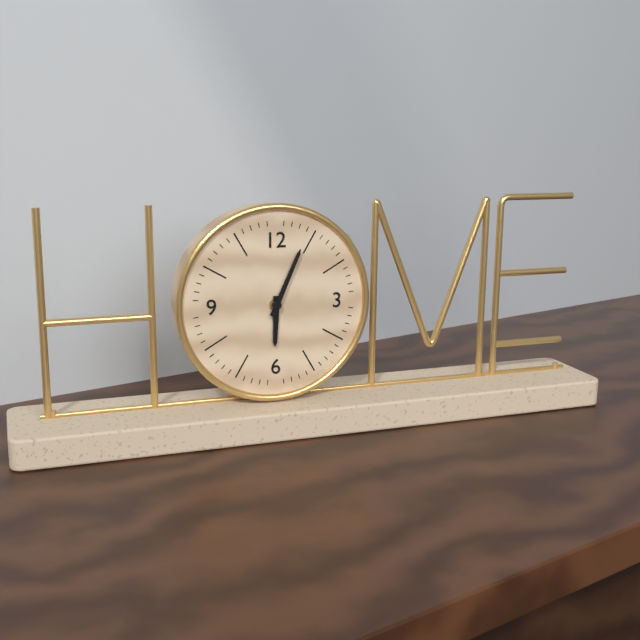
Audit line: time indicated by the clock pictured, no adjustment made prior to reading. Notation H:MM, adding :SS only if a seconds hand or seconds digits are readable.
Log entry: 6:04
